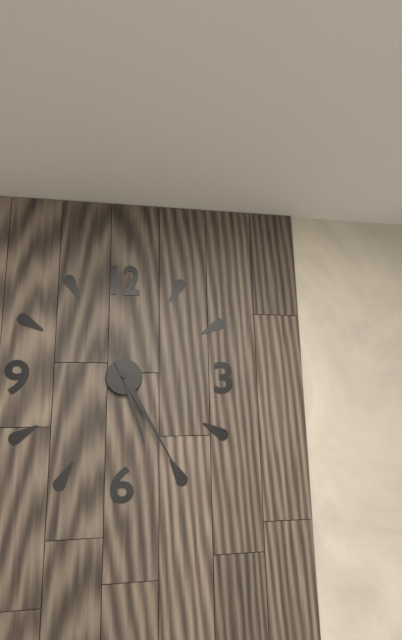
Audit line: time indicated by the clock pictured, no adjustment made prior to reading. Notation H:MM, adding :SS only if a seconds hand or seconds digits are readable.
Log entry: 5:25
